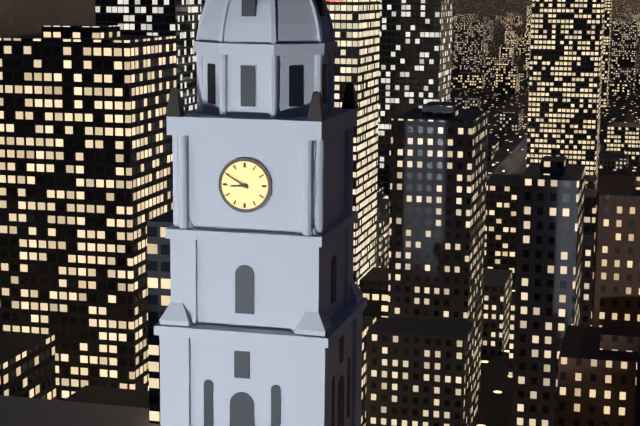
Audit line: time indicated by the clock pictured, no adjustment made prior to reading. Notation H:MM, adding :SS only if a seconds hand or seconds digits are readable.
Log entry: 8:50
